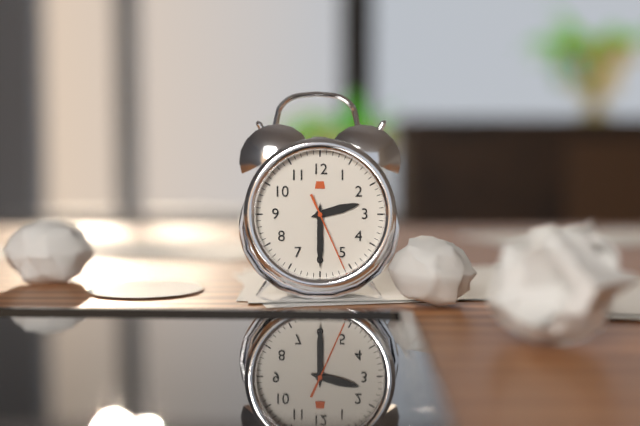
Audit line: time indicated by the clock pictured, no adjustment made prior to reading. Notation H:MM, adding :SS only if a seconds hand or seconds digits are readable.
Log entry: 2:30:26
